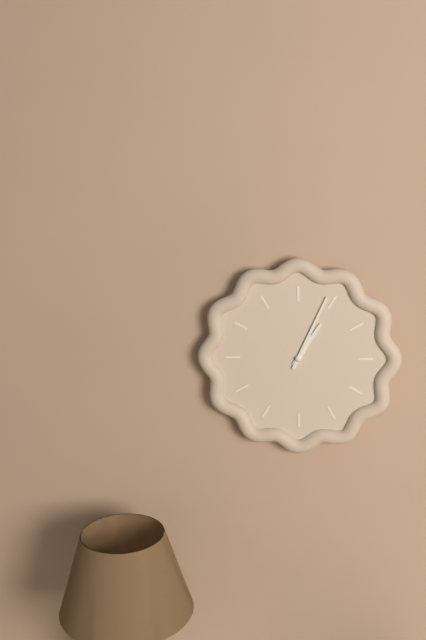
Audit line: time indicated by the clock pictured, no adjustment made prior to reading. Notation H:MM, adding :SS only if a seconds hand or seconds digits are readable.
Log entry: 1:04
